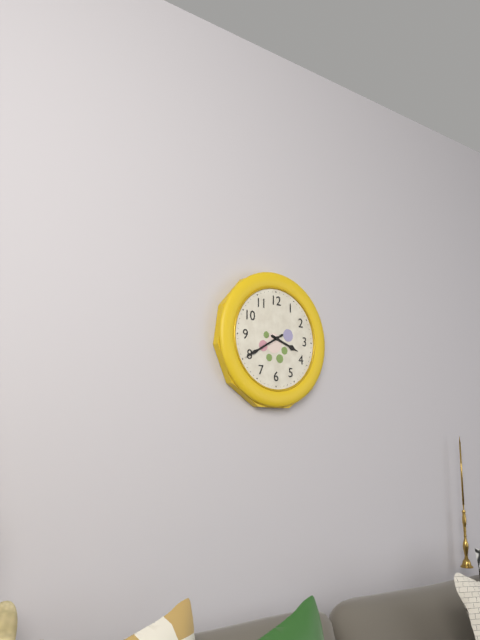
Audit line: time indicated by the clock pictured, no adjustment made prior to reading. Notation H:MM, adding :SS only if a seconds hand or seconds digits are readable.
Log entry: 3:40
